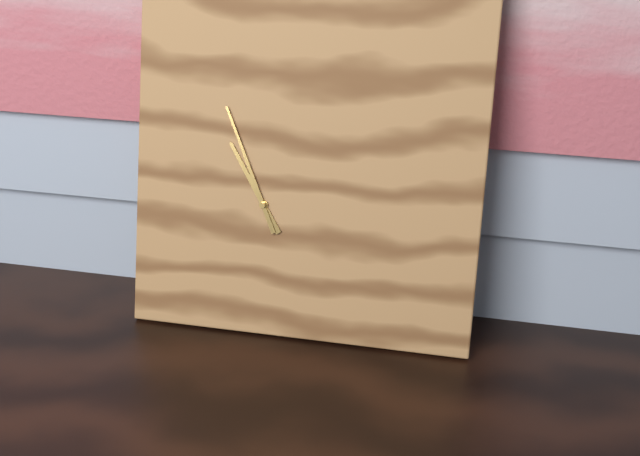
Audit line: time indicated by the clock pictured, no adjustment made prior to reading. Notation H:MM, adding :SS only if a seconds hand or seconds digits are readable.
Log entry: 10:56
